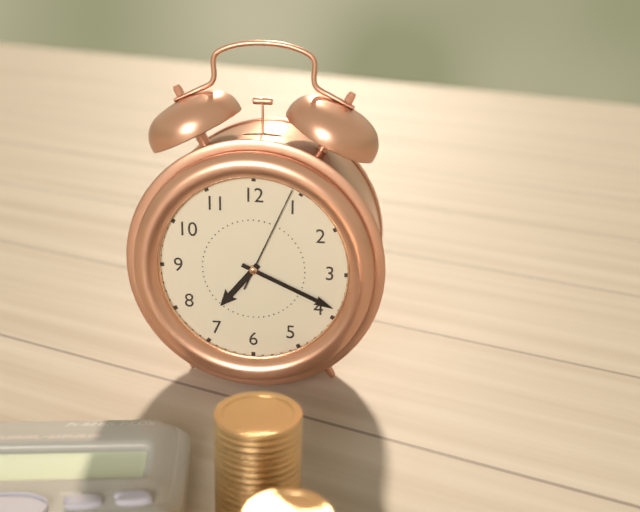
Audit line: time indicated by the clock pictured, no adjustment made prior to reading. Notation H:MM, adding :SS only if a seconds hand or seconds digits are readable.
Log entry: 7:19:04
